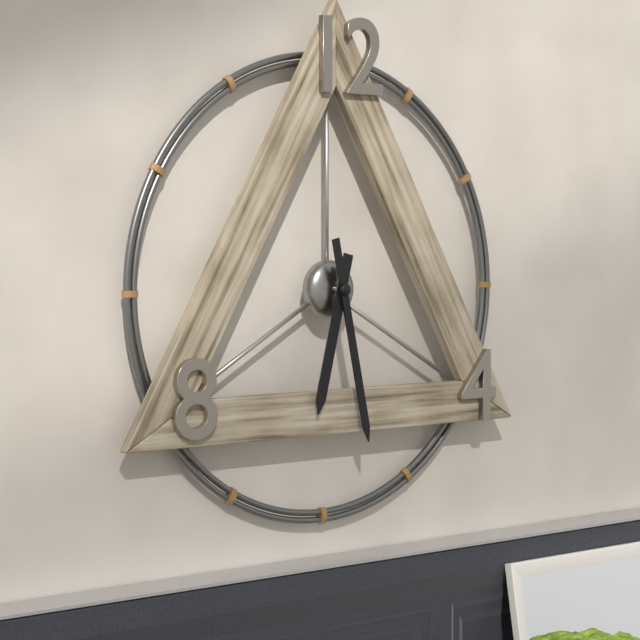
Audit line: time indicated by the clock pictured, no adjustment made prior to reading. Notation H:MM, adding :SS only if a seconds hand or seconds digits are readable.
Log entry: 6:28
